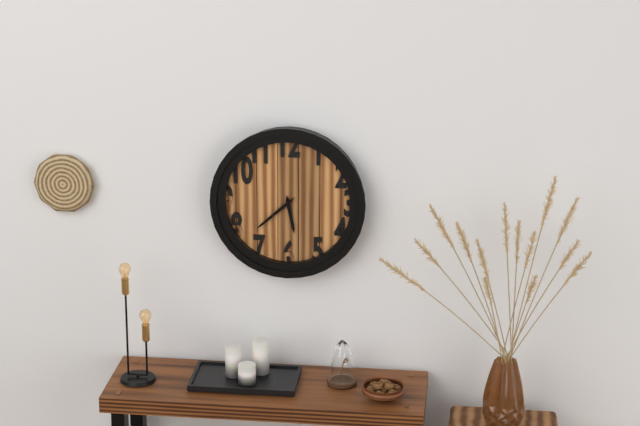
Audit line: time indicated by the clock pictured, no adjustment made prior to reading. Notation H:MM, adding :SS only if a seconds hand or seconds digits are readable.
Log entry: 5:38
